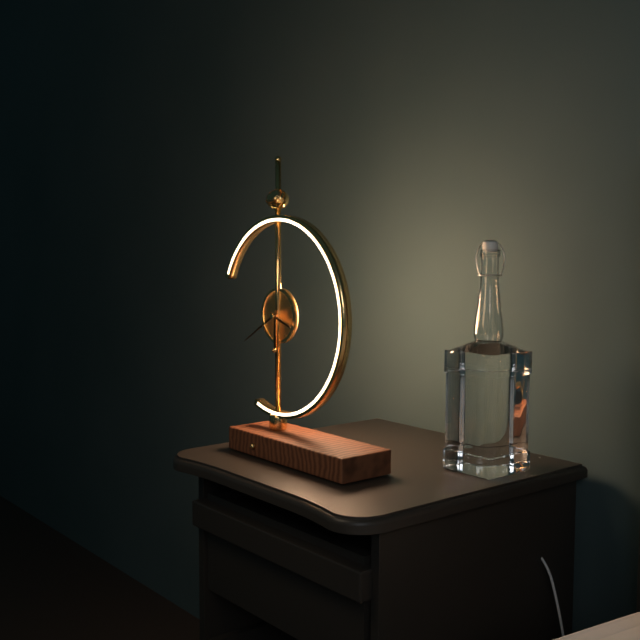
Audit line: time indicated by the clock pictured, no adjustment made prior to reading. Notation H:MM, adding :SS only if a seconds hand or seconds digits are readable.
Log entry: 3:40
